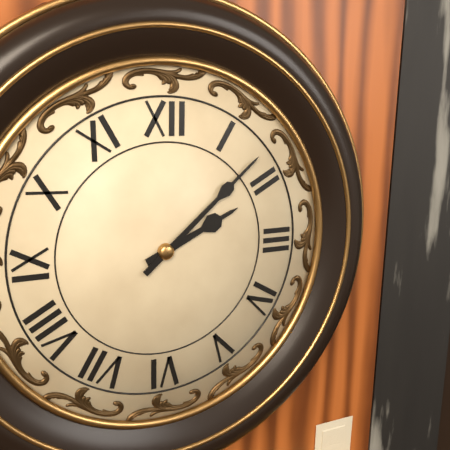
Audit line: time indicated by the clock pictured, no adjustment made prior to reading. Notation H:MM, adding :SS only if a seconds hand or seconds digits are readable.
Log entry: 2:08
